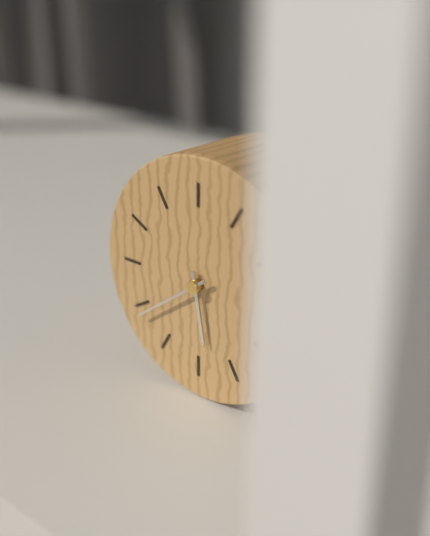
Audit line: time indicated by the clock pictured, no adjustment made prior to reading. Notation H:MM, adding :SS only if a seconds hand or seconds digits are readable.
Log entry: 5:39
